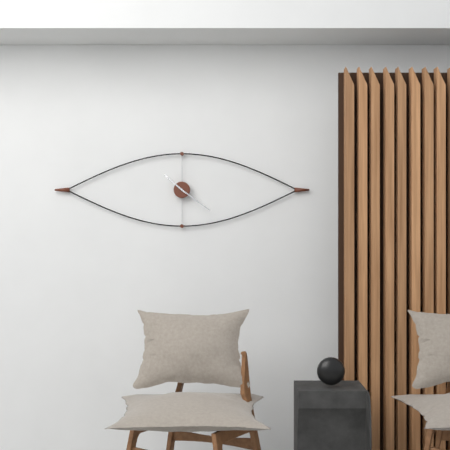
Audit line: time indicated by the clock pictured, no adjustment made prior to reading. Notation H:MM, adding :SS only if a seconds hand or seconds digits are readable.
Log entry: 10:21
